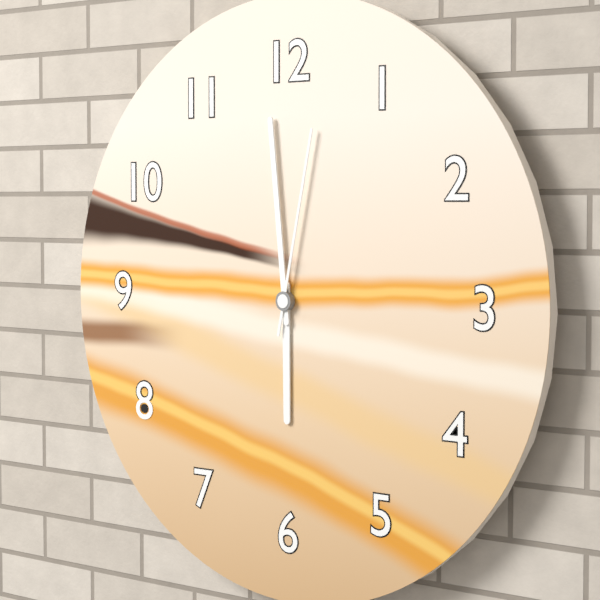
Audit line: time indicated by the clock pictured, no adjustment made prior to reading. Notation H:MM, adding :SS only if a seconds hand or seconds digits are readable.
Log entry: 5:59:02
